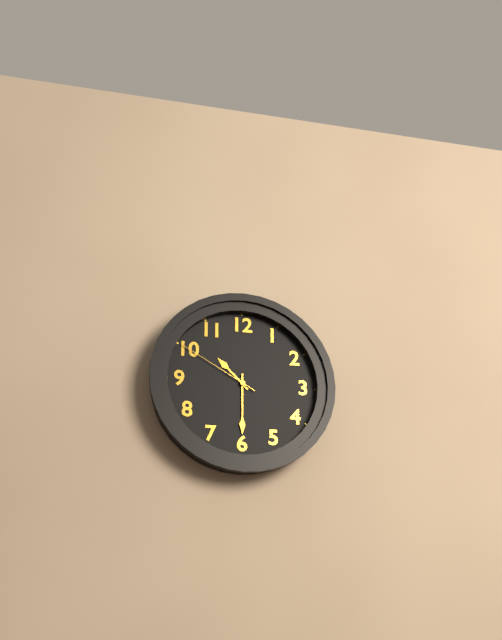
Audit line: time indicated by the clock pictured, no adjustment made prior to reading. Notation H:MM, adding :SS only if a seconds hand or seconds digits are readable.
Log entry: 10:30:50
